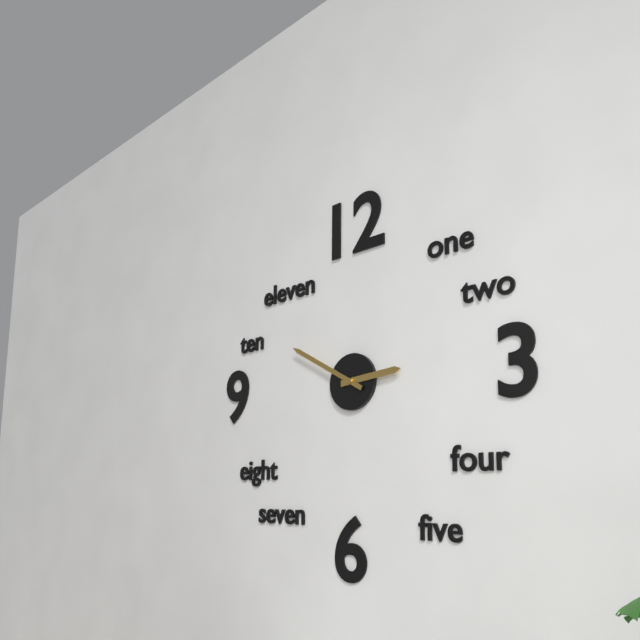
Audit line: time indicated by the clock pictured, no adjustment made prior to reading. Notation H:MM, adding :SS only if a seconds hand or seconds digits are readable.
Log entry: 2:50
